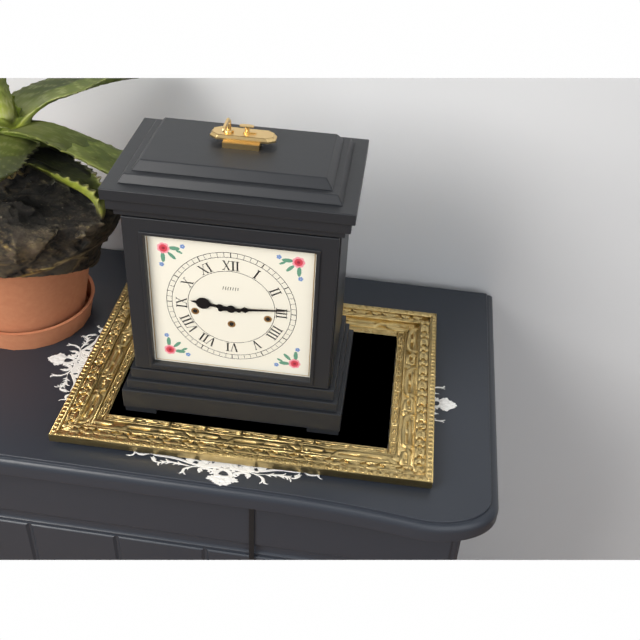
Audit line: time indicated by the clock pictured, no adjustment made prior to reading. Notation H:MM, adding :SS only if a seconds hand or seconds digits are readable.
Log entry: 9:14
